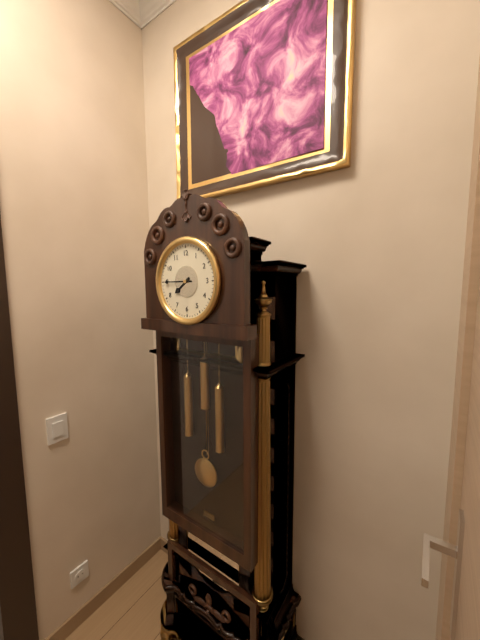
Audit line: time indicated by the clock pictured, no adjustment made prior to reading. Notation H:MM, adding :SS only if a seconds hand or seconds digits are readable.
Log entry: 7:45
